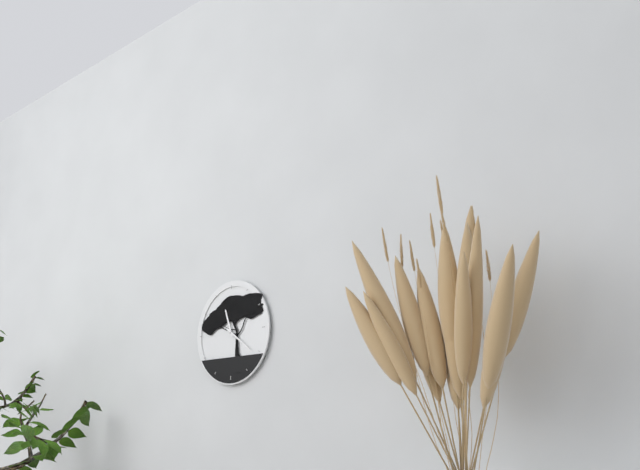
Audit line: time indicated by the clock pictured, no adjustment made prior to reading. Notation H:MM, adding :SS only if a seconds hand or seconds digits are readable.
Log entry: 11:21
